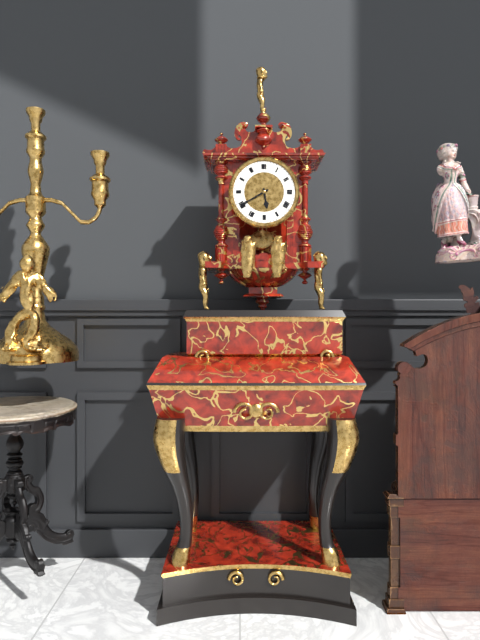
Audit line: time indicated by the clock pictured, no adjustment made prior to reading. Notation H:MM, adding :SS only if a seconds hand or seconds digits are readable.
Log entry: 5:40
